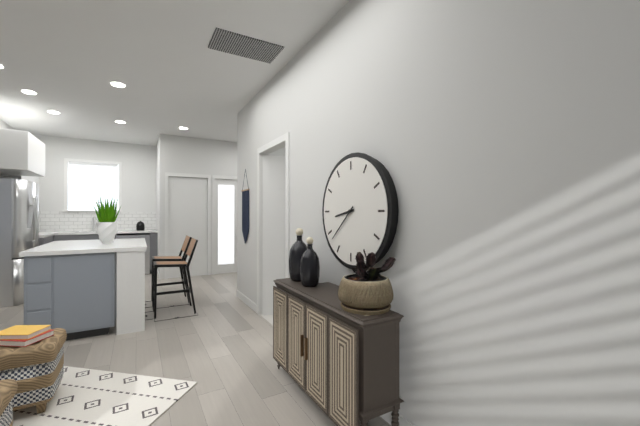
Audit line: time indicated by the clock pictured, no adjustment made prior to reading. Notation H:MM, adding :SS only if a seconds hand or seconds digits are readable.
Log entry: 8:38
